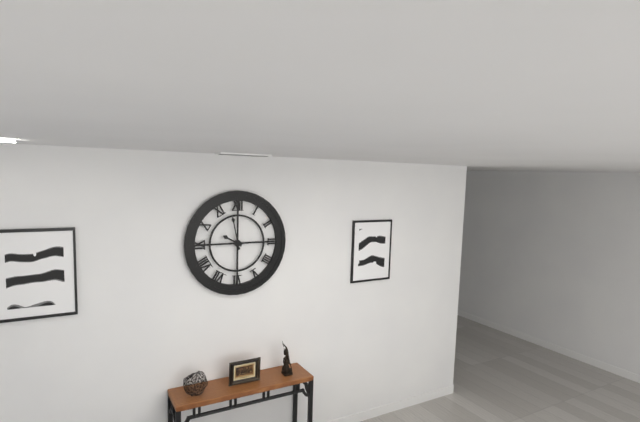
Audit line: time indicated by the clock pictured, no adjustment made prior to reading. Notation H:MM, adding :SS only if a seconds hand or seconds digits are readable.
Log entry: 9:58
